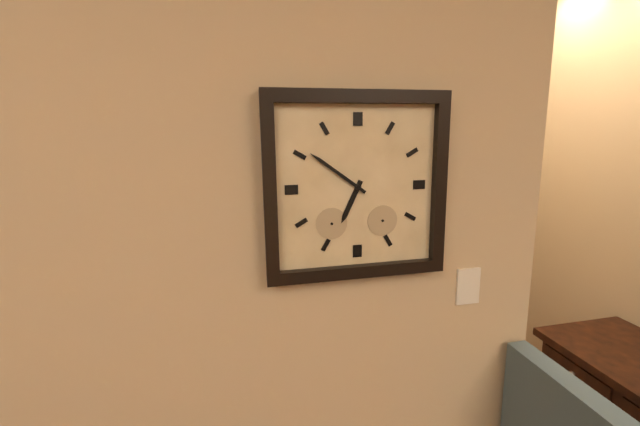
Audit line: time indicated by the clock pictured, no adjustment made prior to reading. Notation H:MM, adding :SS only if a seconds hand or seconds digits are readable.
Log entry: 6:51
